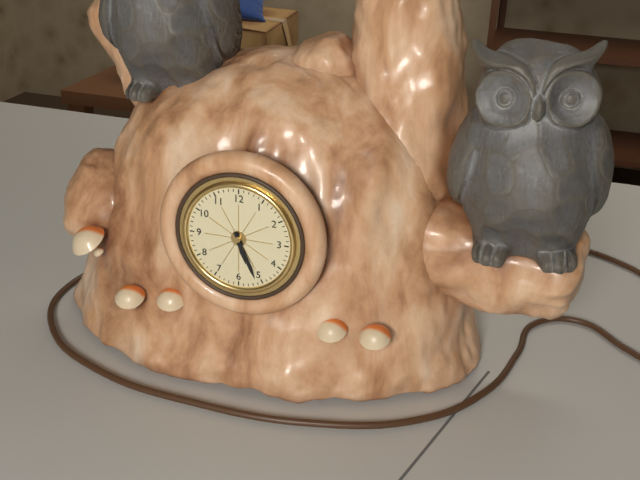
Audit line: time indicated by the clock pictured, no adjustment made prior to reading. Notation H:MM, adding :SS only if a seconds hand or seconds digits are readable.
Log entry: 5:26
